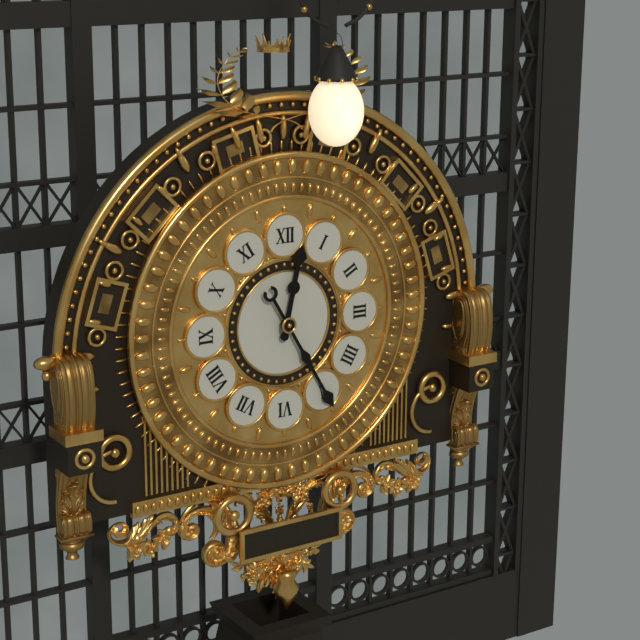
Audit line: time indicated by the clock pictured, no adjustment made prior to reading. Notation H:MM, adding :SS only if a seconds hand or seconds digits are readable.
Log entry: 12:25
